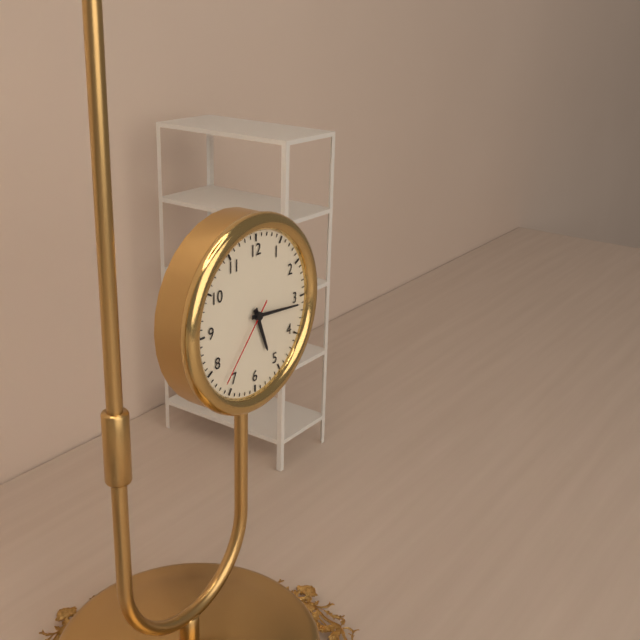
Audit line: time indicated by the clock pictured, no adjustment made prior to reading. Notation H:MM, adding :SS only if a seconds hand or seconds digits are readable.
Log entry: 5:16:37
